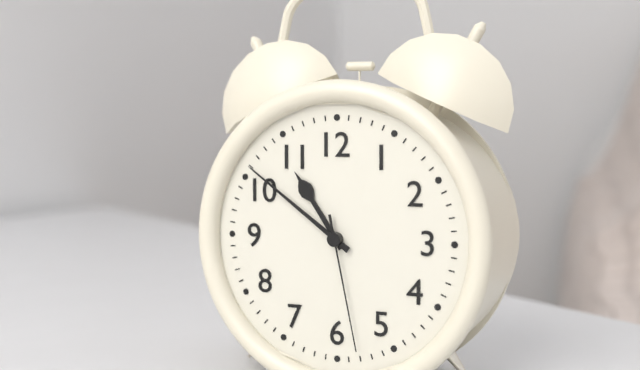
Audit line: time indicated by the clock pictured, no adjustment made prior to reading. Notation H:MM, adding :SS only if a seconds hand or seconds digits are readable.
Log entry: 10:51:28
